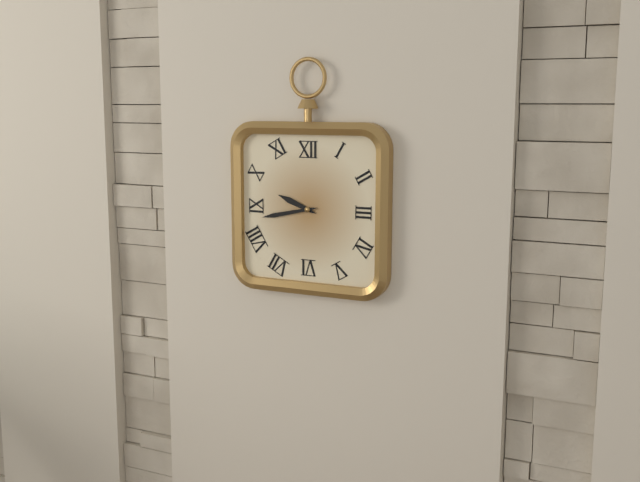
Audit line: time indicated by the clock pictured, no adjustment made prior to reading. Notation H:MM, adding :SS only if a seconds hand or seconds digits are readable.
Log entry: 9:43
